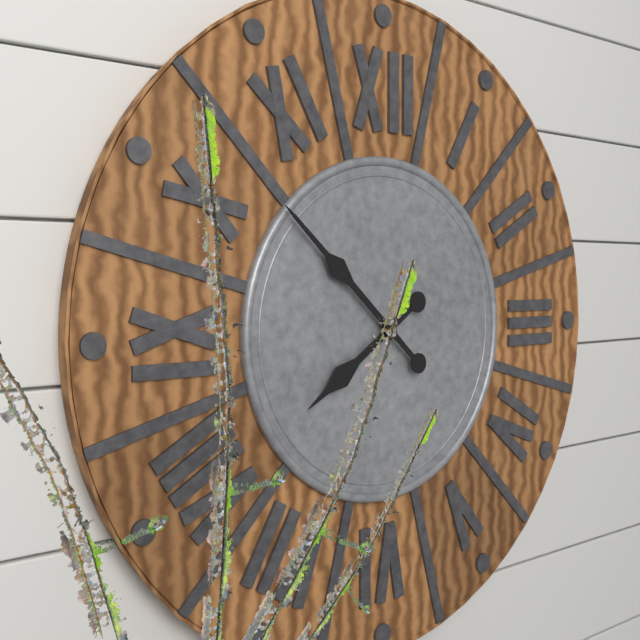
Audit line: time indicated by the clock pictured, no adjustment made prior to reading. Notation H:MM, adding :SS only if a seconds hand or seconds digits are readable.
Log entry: 7:52
